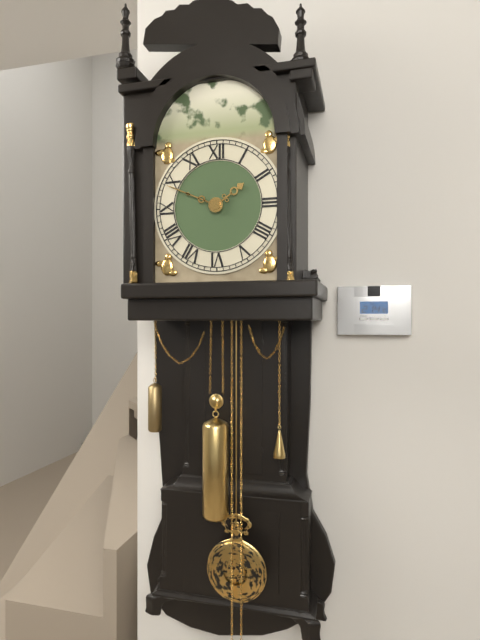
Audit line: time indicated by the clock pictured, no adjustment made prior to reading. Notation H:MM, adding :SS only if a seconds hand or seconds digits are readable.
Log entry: 1:49
